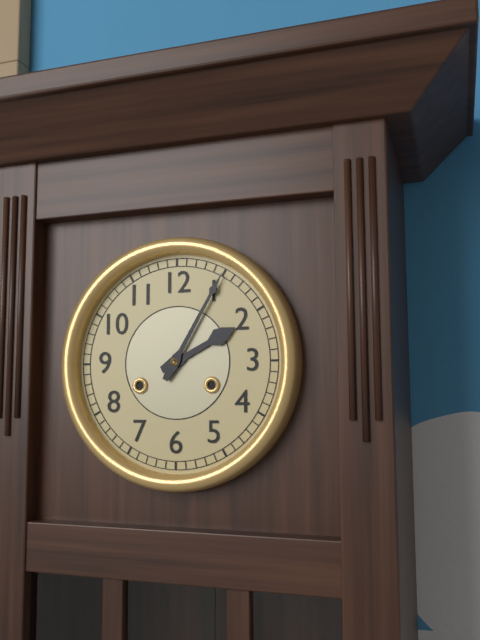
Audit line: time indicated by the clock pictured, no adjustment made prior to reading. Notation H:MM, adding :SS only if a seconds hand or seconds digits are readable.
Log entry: 2:05
